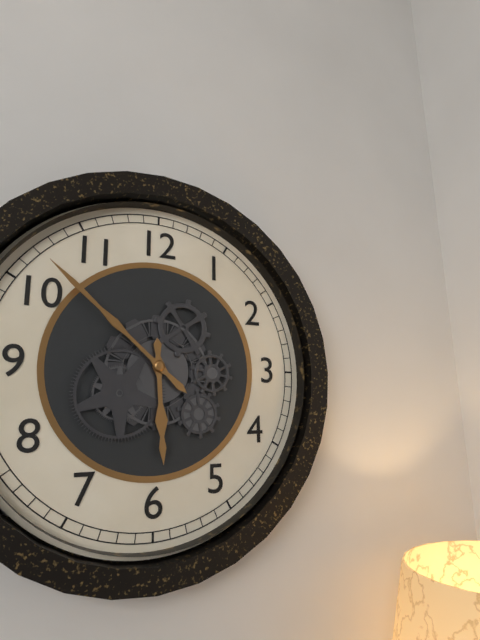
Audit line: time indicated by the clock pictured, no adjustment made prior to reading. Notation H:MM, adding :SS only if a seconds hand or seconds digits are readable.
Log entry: 5:52
